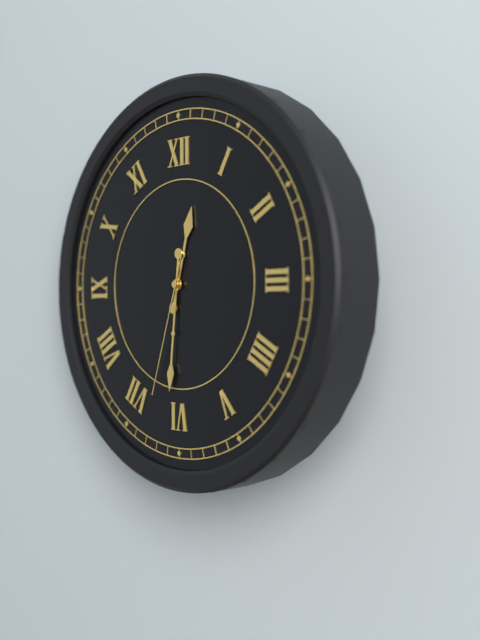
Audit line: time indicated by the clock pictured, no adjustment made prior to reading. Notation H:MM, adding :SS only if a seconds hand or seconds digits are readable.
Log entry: 12:31:33
